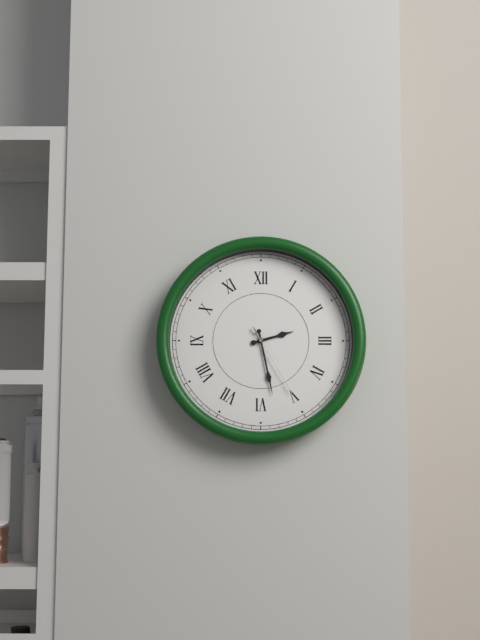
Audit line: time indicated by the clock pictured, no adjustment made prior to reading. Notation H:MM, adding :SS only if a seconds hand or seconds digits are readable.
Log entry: 2:28:25
